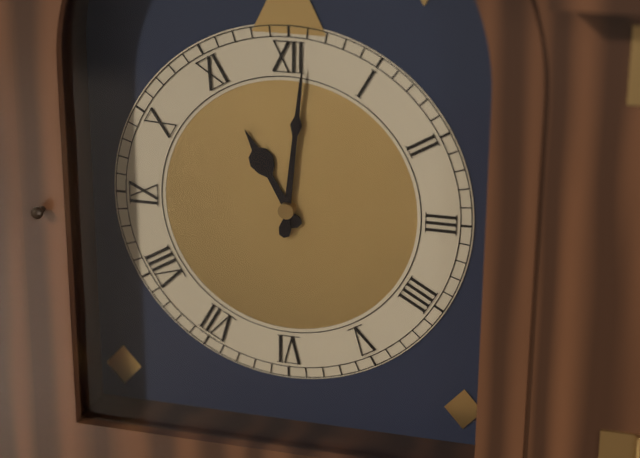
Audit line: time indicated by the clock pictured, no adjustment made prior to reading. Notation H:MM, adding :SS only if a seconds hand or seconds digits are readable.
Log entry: 11:01
